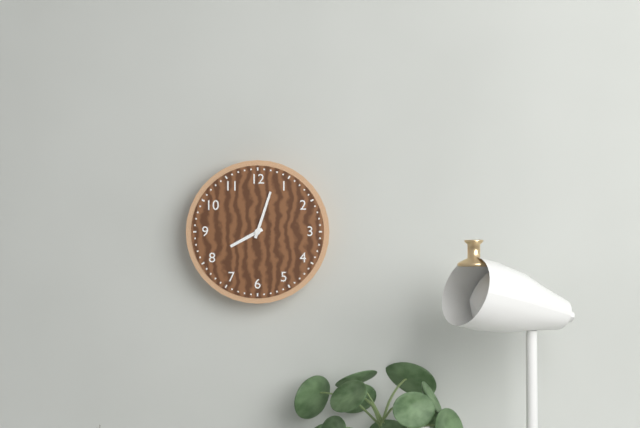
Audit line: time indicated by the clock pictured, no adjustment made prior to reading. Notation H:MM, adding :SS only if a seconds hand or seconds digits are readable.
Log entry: 8:03
